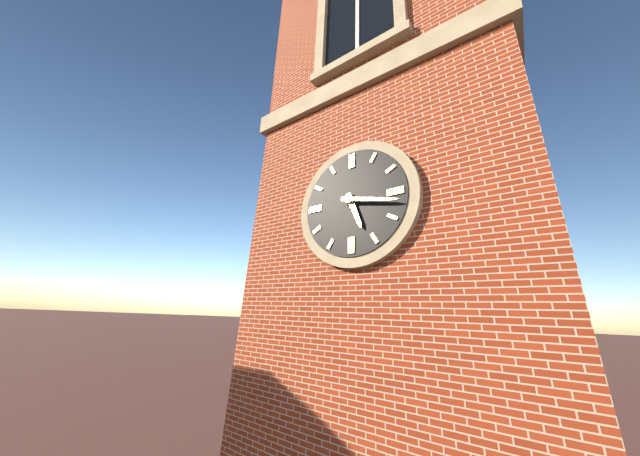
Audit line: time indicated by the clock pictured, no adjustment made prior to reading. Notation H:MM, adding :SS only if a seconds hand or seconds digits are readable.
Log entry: 5:17
